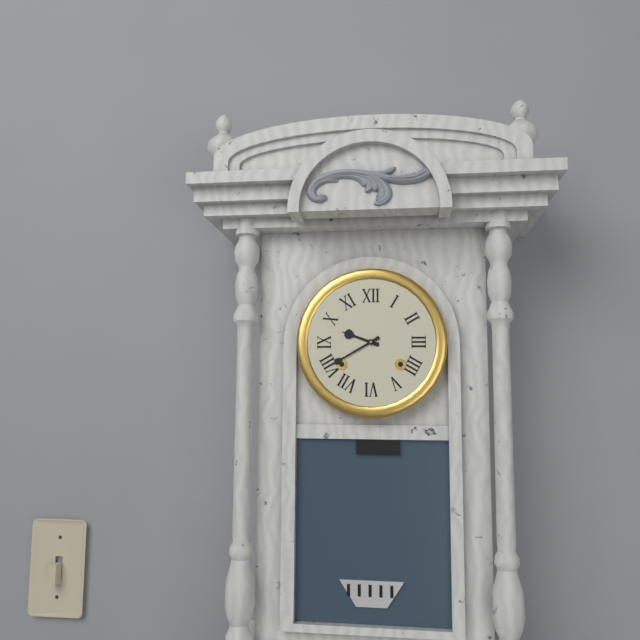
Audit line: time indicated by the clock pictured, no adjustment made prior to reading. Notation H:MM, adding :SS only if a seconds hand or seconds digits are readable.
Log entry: 9:40
